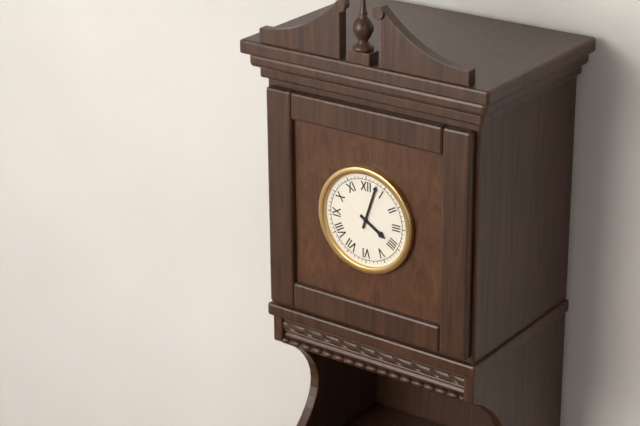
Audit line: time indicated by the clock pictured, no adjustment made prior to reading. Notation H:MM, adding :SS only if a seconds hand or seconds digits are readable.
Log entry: 4:03
